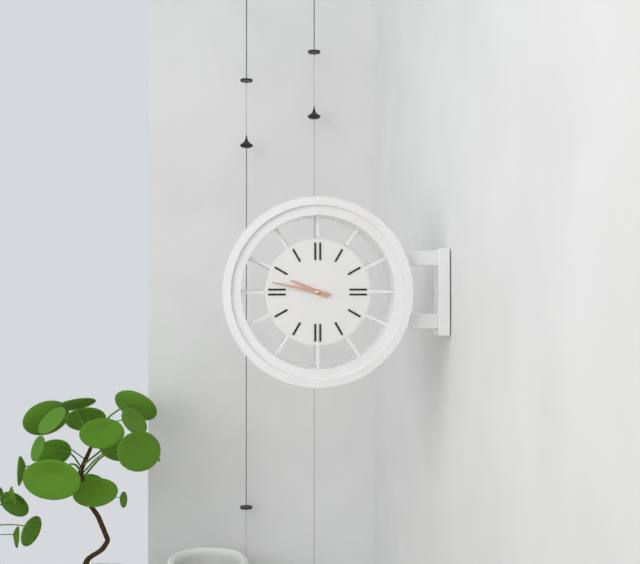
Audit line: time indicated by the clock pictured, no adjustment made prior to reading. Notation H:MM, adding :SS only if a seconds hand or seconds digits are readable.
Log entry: 9:47
